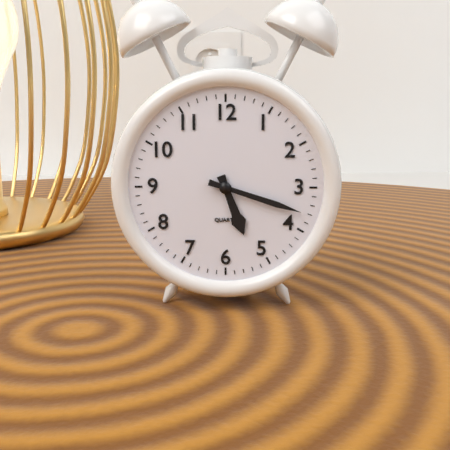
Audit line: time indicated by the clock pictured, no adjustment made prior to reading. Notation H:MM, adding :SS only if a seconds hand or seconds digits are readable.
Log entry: 5:18
